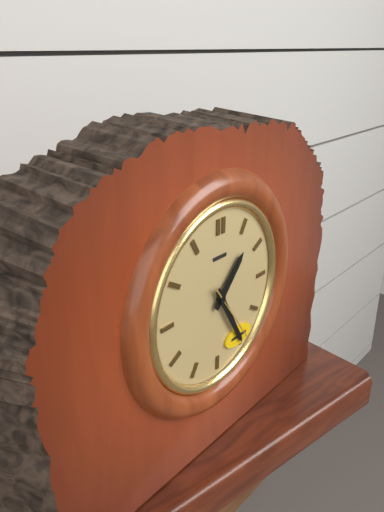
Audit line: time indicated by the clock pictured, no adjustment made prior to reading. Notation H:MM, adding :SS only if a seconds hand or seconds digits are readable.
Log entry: 1:25:24
